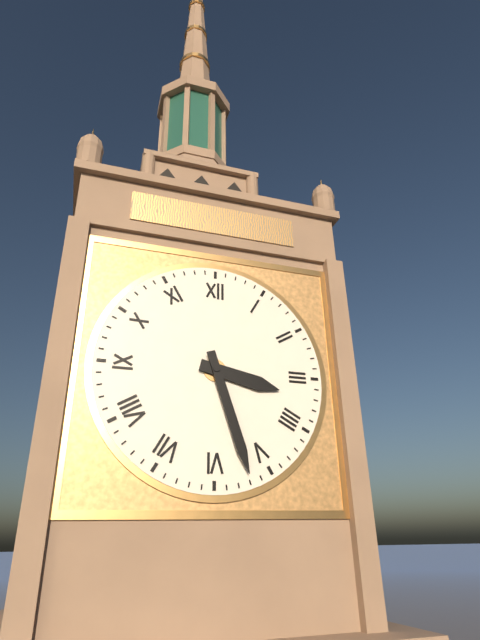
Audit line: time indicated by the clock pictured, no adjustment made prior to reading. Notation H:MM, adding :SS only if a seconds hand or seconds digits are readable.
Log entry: 3:27
